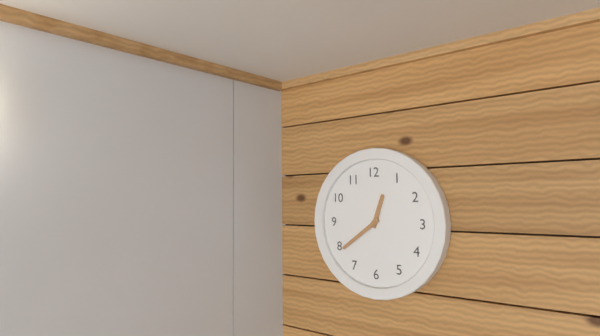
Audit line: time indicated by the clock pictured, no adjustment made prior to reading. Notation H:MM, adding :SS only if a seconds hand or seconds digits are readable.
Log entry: 12:39
